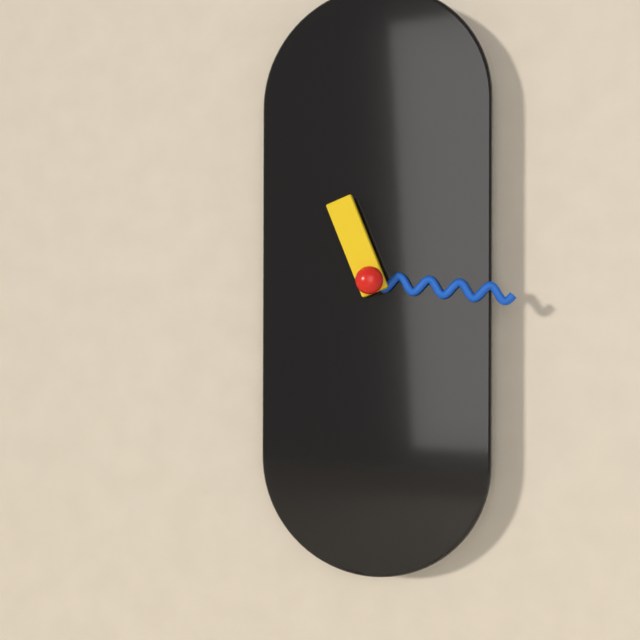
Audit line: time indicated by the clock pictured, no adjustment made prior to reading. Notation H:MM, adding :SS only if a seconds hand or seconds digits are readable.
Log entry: 11:16
